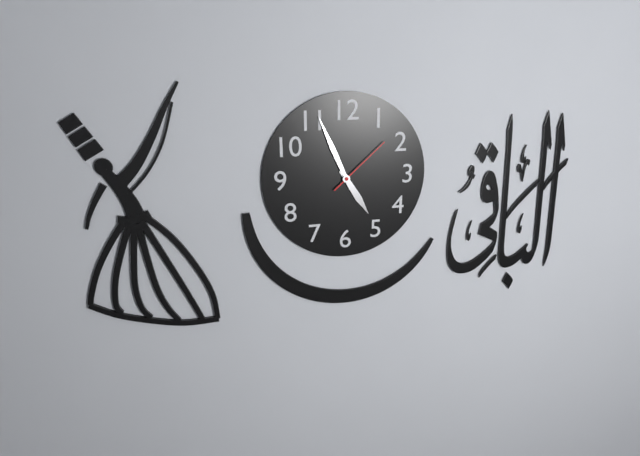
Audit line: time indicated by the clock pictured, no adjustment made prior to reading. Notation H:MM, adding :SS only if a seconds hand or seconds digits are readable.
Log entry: 4:56:08
